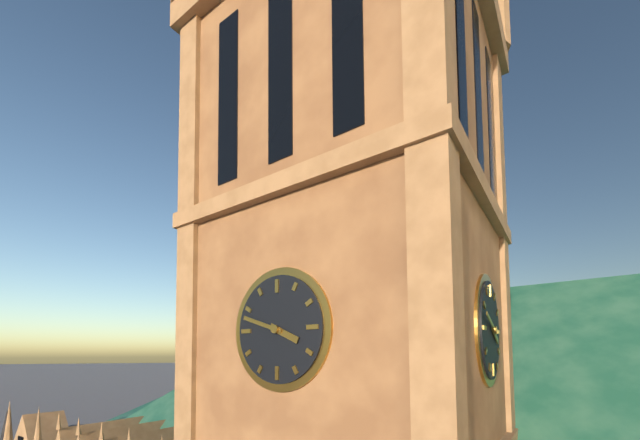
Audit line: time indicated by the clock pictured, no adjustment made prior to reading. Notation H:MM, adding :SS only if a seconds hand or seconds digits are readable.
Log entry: 3:48
